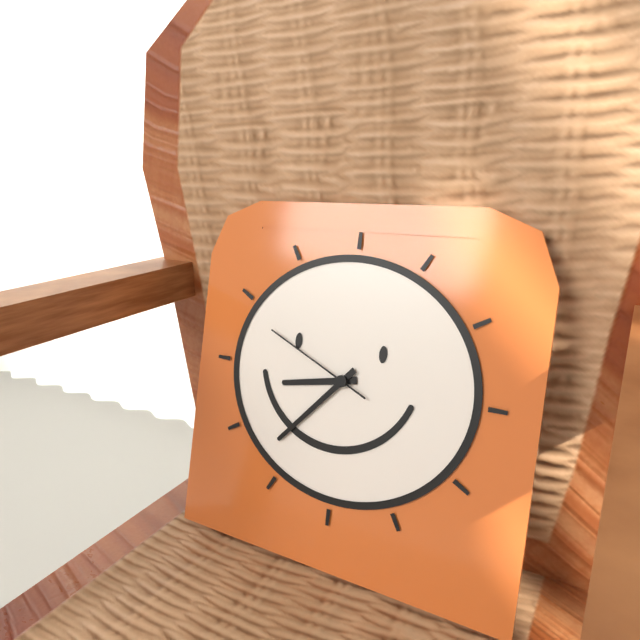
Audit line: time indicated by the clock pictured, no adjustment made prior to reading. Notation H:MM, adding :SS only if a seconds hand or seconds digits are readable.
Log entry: 8:37:49
